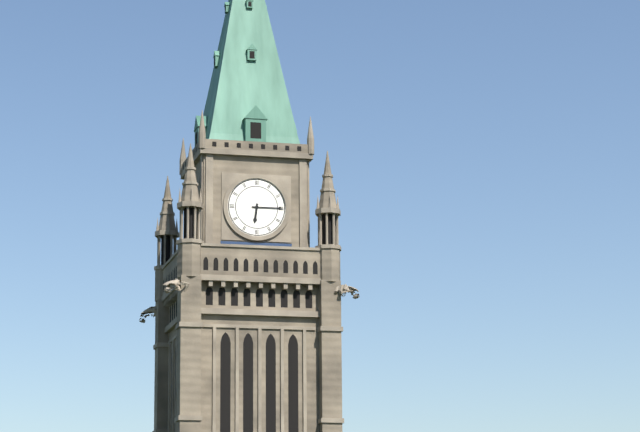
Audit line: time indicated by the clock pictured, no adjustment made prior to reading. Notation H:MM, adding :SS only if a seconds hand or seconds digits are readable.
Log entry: 6:15
